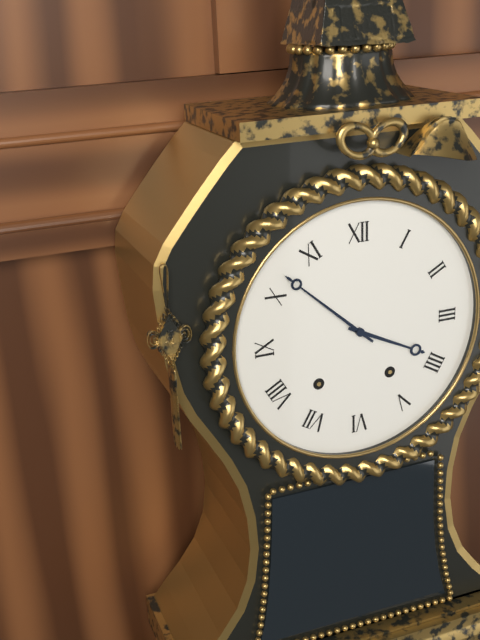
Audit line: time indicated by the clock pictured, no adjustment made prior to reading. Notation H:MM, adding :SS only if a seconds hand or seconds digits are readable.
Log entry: 3:52
